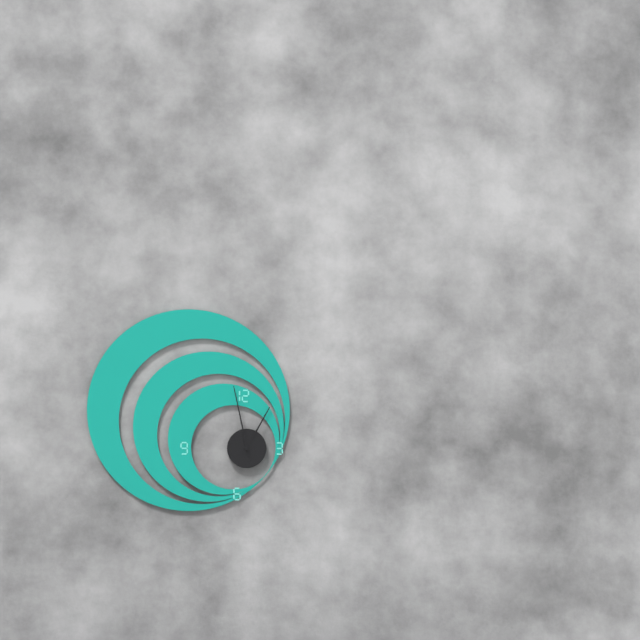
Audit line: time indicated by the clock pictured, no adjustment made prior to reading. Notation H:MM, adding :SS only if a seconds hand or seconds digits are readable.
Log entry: 12:58
